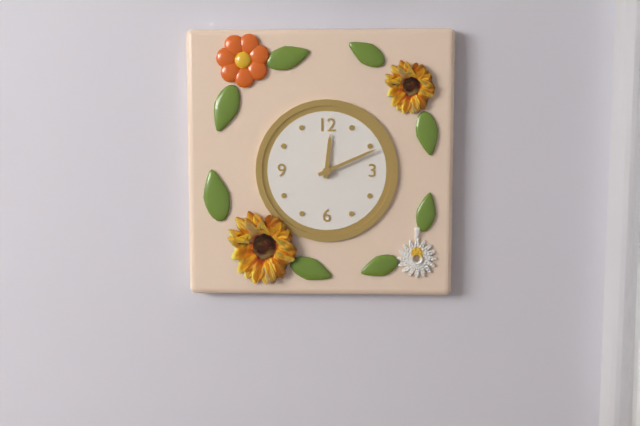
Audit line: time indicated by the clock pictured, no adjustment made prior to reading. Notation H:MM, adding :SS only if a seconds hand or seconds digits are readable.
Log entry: 12:11
